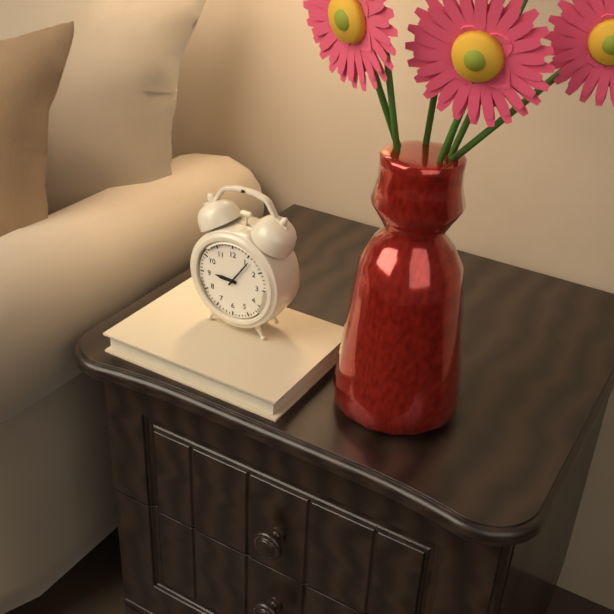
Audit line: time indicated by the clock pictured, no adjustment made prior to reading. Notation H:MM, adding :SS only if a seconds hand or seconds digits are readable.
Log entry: 9:06
